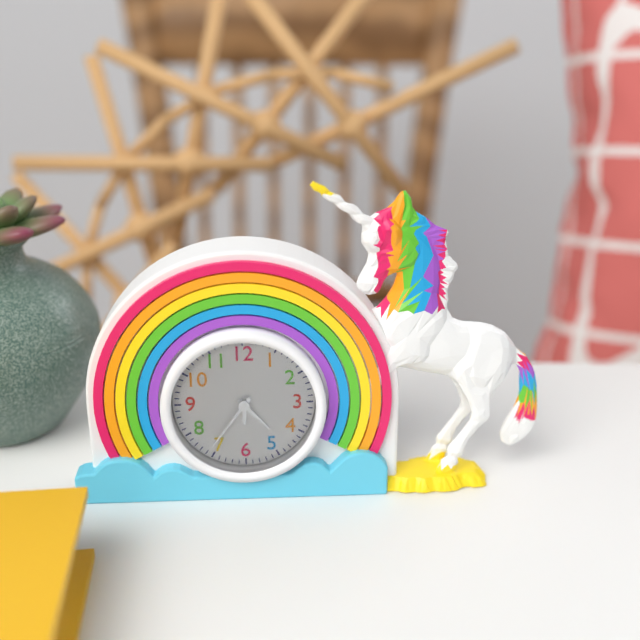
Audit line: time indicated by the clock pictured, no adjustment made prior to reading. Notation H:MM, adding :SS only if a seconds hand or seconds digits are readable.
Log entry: 4:36
